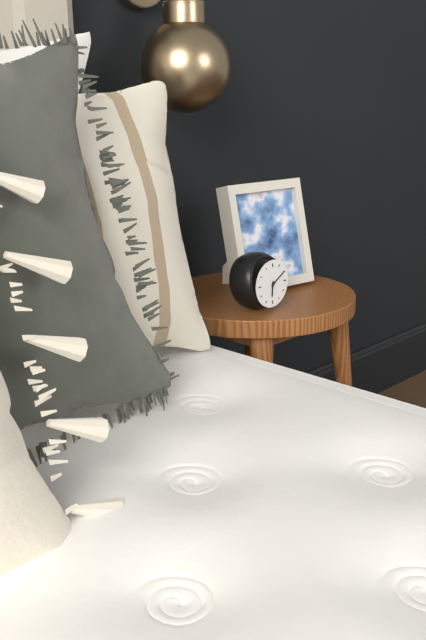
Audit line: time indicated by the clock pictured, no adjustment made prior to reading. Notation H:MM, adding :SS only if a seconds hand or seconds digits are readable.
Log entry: 6:10
